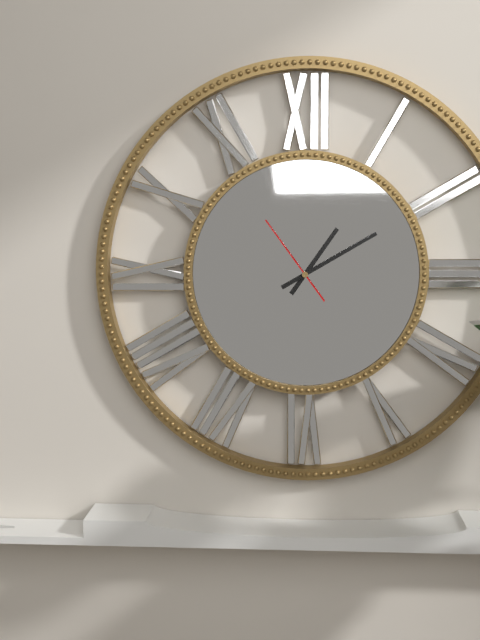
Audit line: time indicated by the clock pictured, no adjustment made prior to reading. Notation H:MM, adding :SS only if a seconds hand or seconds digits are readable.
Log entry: 1:10:54
